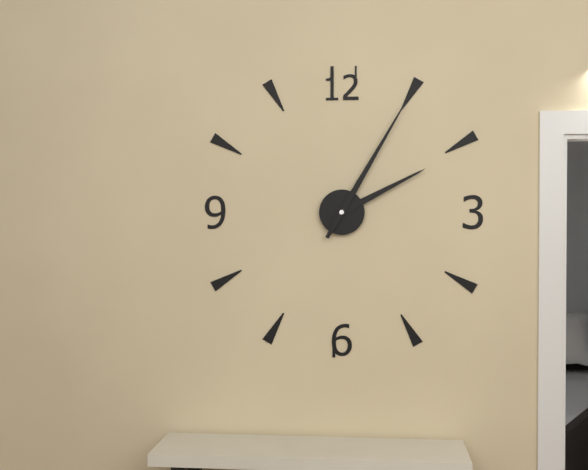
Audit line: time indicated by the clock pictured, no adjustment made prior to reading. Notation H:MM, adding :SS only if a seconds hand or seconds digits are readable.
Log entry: 2:05
